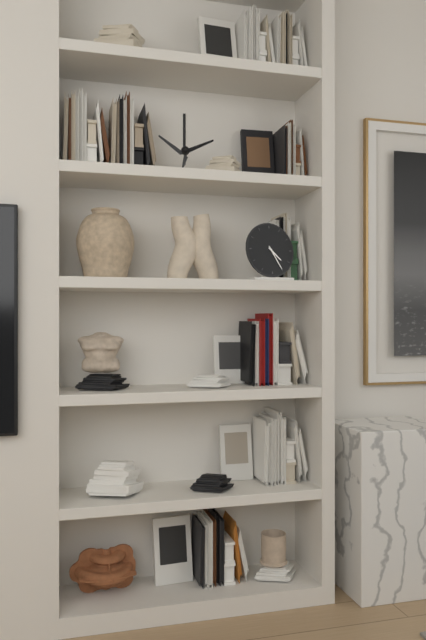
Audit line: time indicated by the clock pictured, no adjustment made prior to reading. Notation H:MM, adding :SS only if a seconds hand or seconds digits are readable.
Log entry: 4:25
